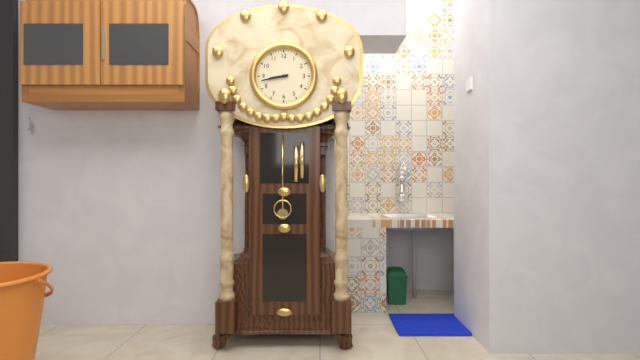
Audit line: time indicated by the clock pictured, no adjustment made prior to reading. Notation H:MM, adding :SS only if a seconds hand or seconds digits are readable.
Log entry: 8:43
